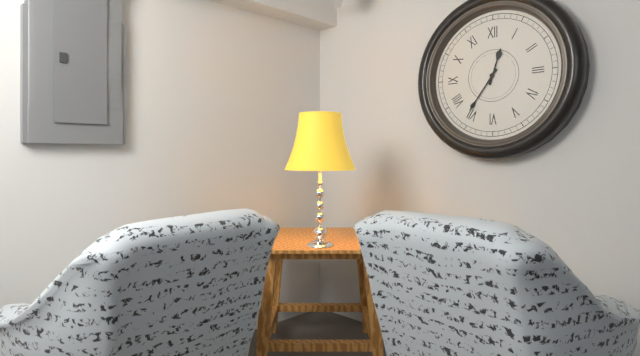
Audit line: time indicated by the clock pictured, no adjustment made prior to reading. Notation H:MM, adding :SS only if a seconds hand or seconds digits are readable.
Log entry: 12:36
